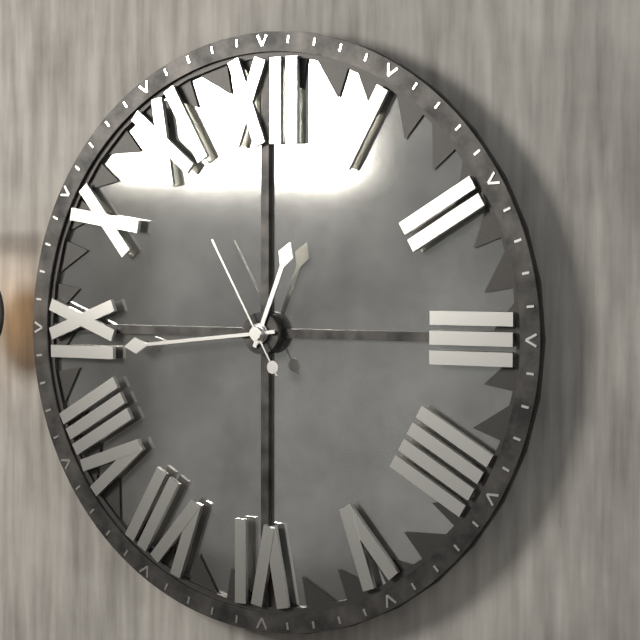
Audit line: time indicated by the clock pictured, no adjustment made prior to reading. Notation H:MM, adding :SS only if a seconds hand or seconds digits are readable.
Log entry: 12:44:55
